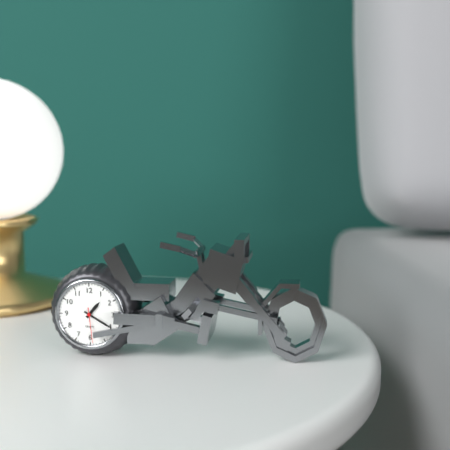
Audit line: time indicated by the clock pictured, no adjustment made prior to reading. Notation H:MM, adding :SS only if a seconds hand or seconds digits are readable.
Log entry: 1:20
